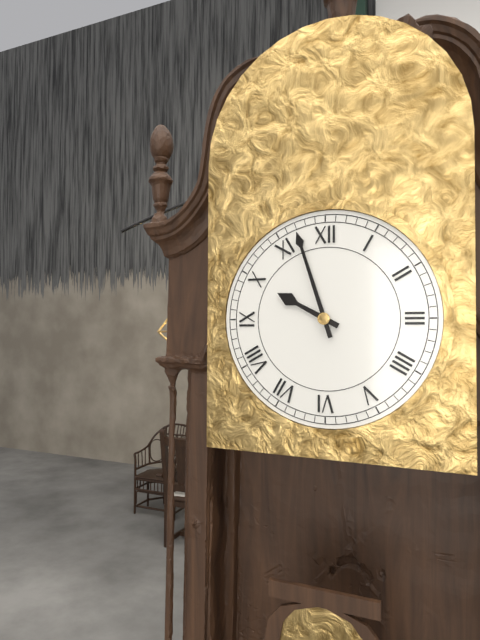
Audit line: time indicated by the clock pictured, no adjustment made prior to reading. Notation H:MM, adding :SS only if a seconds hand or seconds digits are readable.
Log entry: 9:57
